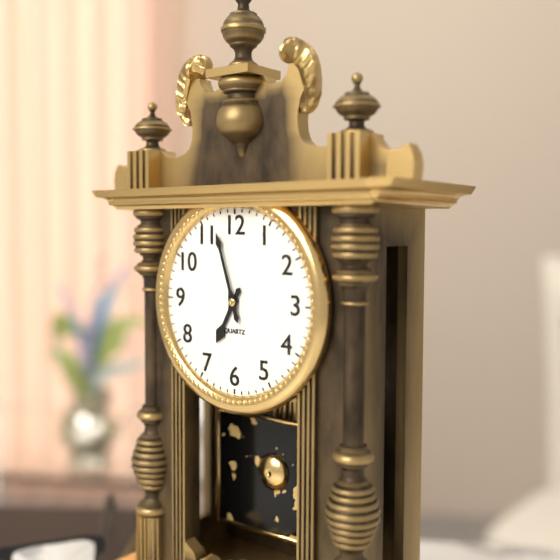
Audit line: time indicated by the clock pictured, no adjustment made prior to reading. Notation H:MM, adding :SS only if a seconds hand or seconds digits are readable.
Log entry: 6:57
